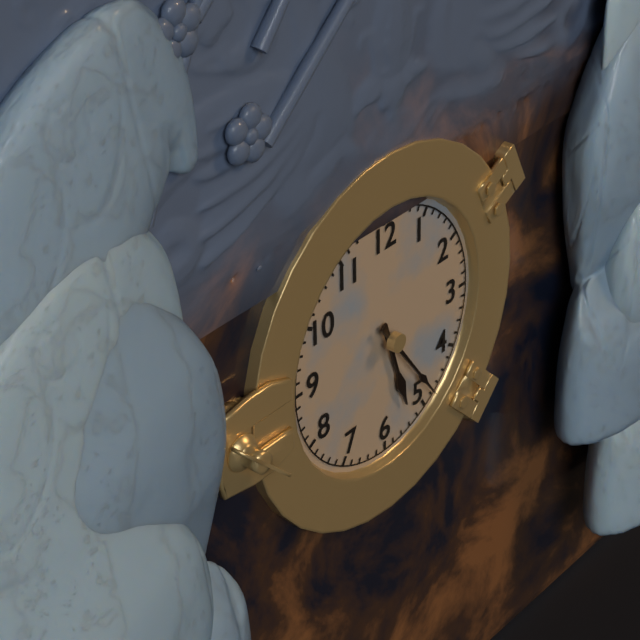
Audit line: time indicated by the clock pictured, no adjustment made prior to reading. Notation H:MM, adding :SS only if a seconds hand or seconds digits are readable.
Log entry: 5:24
